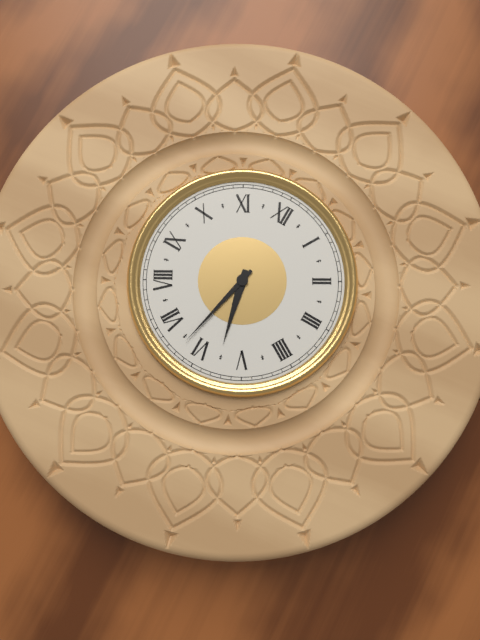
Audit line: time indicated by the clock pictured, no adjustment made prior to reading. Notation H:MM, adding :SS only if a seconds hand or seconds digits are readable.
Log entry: 5:32
